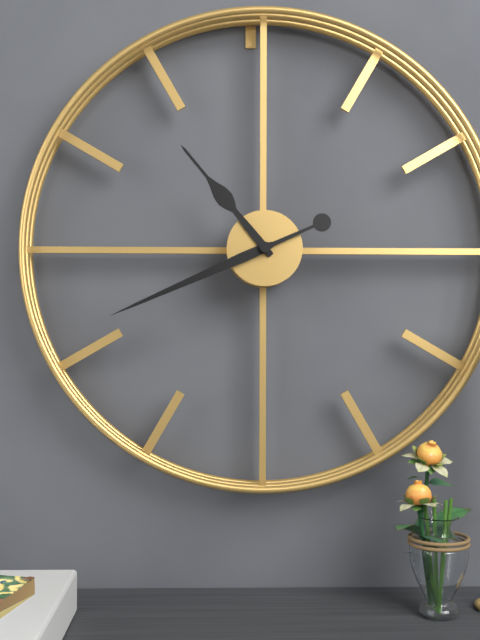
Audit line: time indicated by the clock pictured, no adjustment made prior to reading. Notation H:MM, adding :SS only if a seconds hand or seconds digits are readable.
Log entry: 10:41
